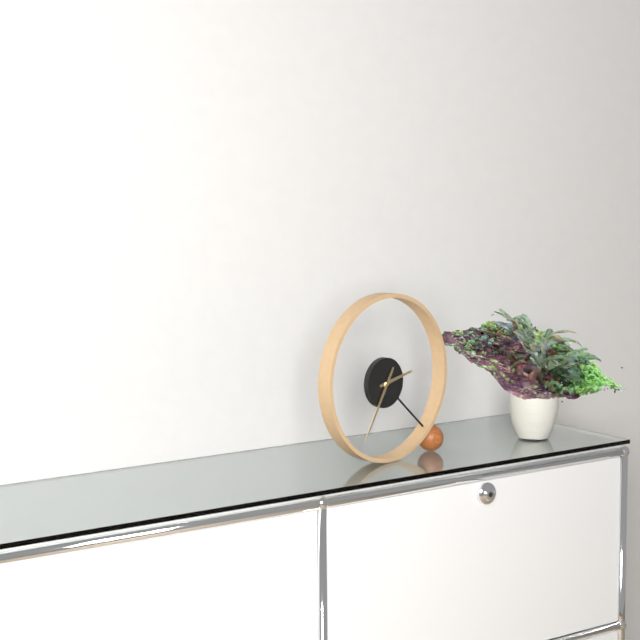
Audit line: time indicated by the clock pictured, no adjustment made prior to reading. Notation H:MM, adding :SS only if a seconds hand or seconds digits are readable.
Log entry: 2:35
